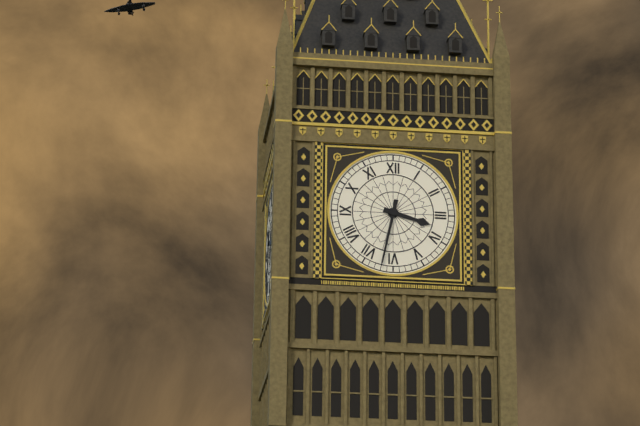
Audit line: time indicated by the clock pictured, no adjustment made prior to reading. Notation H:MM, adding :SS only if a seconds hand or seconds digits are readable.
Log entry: 3:32
